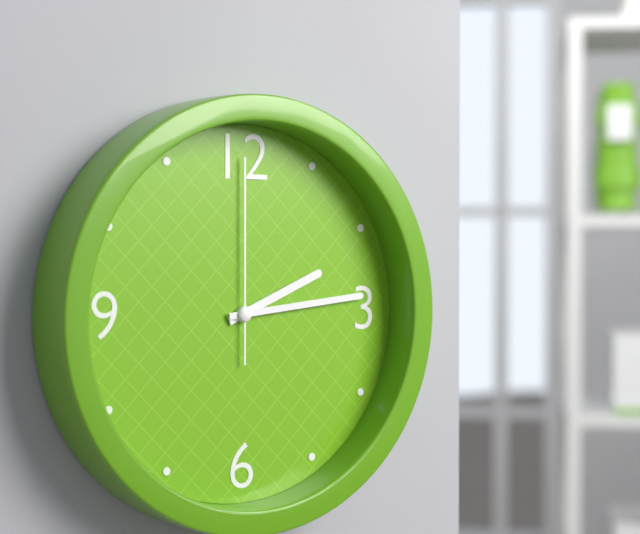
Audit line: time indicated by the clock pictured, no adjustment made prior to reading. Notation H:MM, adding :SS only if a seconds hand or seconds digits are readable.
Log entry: 2:14:00
